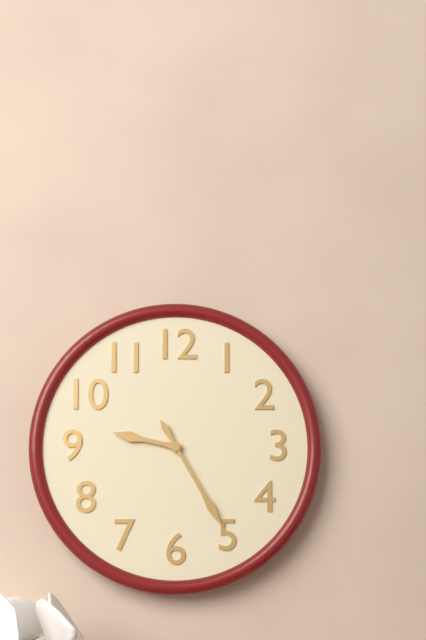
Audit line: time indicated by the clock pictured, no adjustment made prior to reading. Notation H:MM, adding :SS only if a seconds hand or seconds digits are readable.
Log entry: 9:25
